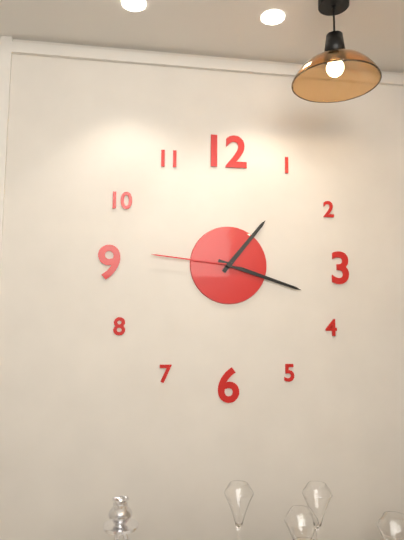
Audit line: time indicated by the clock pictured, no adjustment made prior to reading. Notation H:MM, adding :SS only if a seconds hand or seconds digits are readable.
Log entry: 1:18:46
